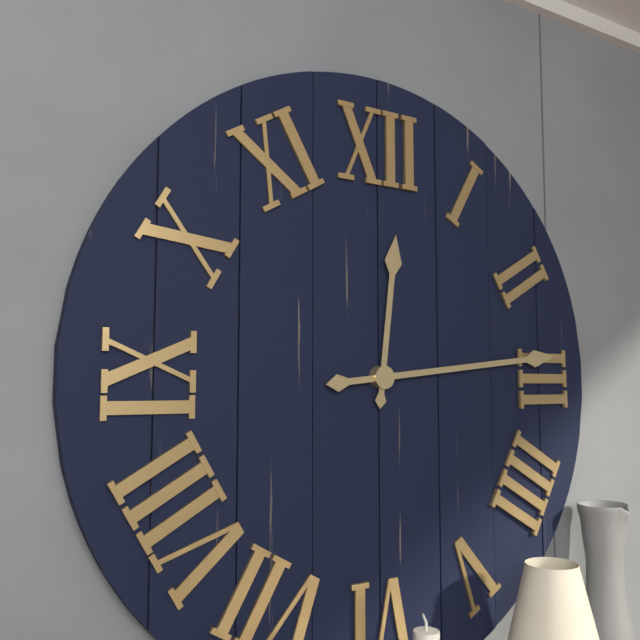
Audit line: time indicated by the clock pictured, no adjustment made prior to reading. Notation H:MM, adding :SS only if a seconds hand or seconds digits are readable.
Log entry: 12:14
